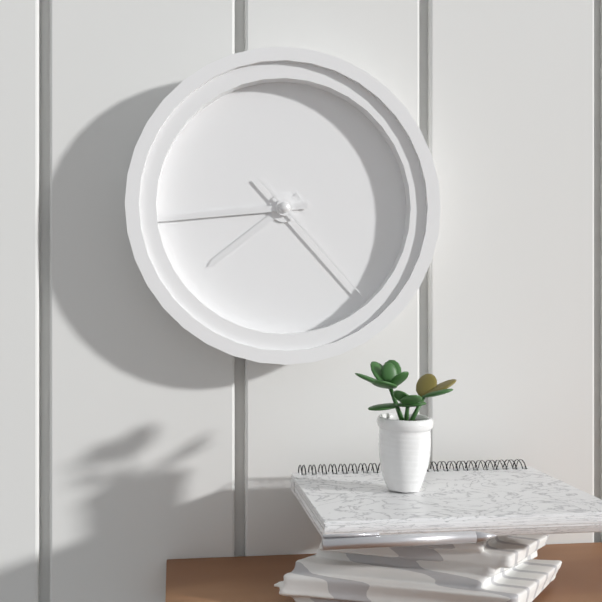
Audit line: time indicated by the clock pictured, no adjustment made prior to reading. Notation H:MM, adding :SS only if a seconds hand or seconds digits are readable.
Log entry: 7:44:23
